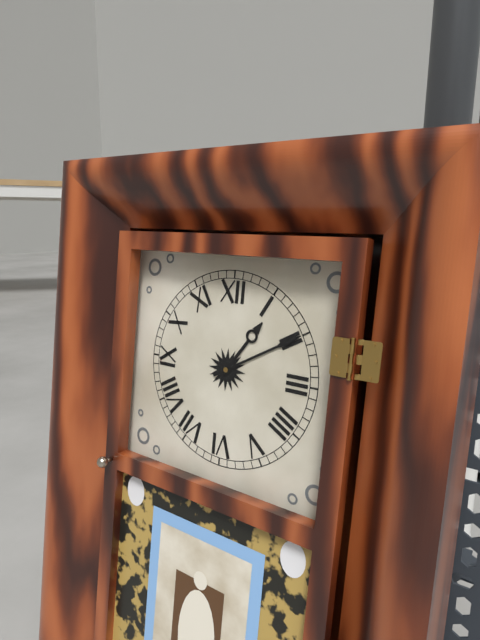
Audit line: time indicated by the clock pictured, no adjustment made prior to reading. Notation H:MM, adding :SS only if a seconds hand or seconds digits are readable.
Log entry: 1:10
